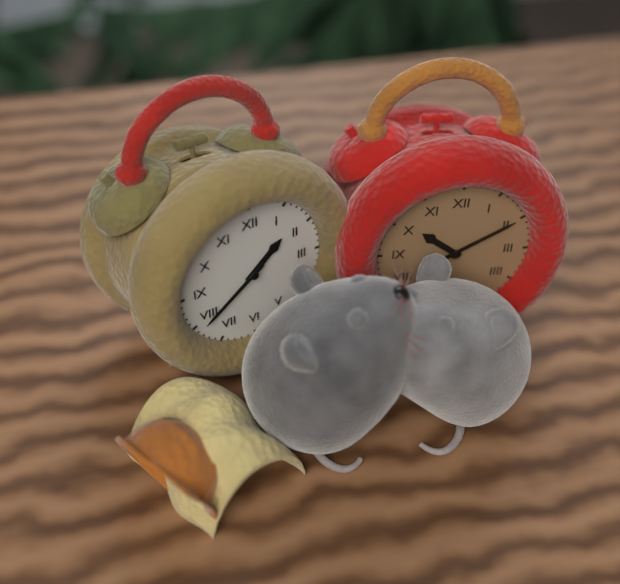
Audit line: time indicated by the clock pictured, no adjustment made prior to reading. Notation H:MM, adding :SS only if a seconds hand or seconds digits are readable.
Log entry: 1:39
